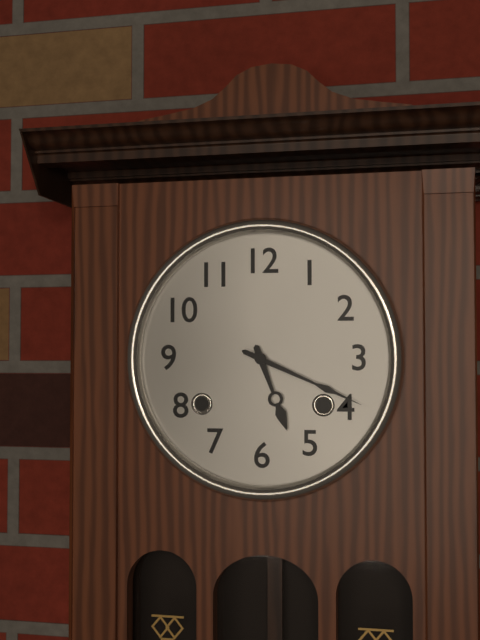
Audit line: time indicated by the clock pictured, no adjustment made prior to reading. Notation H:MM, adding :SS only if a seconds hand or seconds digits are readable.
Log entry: 5:19
